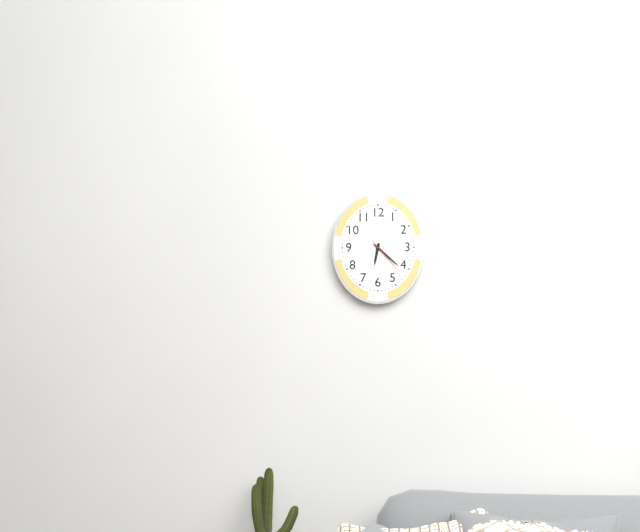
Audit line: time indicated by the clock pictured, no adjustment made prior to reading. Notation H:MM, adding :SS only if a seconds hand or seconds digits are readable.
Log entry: 6:22
